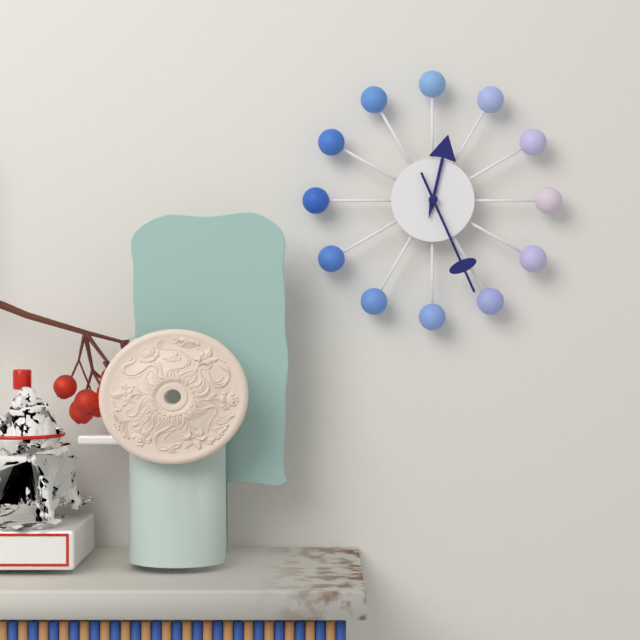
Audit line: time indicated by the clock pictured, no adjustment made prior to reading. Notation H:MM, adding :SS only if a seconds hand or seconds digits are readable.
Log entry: 12:26
